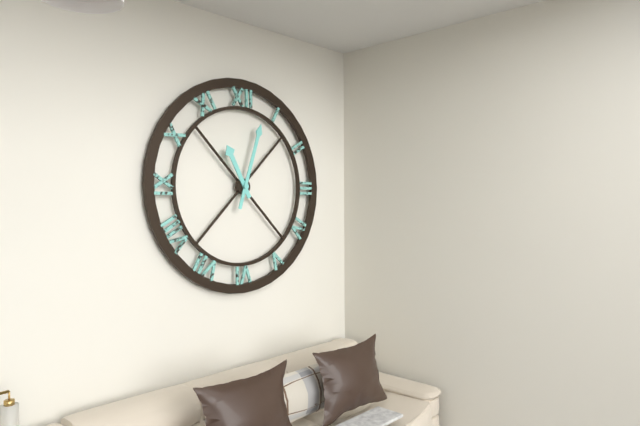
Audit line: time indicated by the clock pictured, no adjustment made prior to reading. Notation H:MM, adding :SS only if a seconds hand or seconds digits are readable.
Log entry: 11:03
